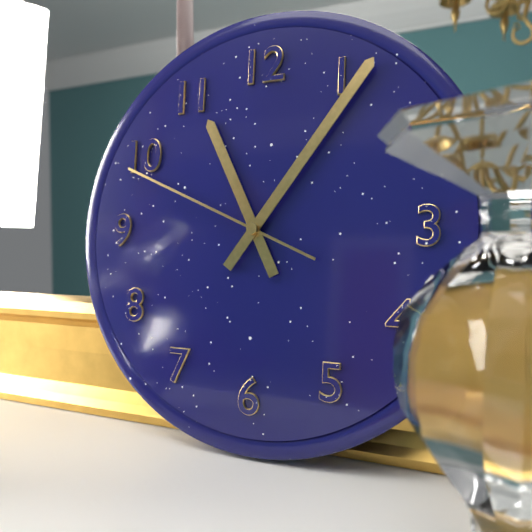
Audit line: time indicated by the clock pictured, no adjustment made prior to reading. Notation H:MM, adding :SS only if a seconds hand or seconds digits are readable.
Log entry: 11:06:49
